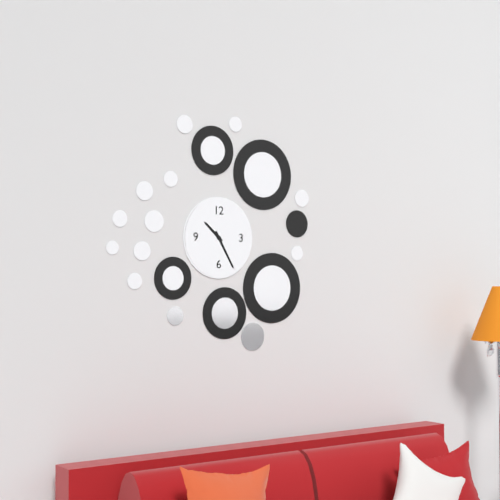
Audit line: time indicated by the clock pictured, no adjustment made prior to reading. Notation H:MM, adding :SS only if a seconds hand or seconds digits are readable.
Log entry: 10:25
